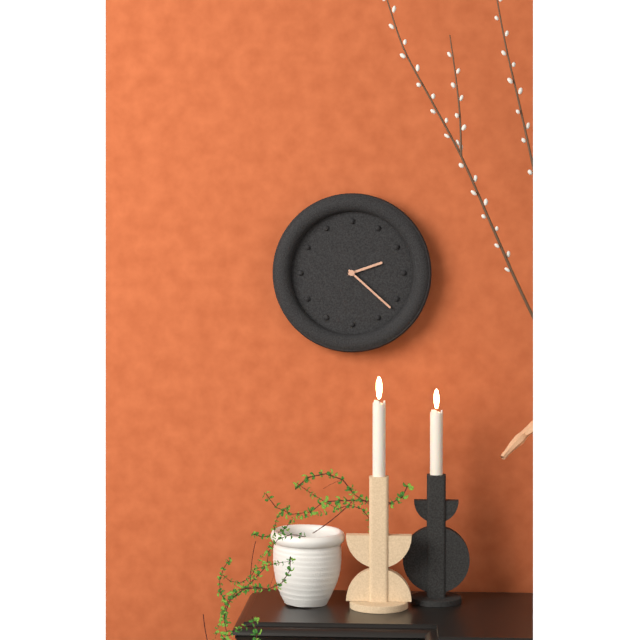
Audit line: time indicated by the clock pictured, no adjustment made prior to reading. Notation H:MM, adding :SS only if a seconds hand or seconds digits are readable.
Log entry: 2:22
